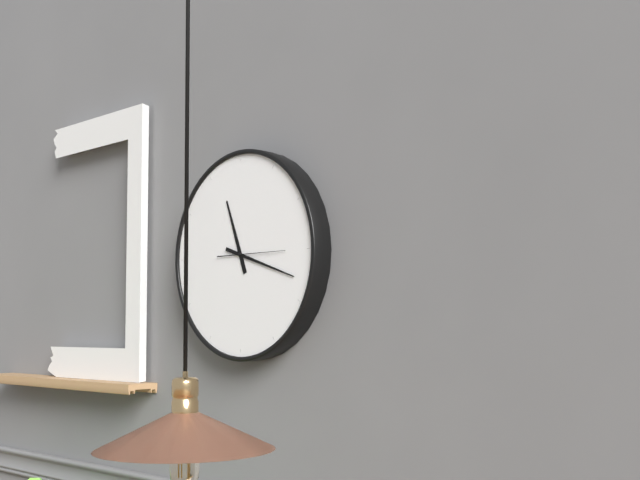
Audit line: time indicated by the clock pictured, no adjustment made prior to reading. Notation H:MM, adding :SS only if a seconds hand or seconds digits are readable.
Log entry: 11:18:15
